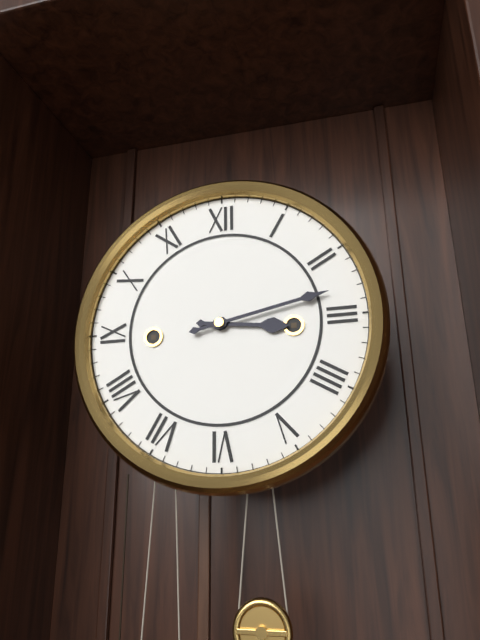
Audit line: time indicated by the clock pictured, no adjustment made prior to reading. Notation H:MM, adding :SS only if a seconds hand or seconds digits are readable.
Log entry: 3:13
